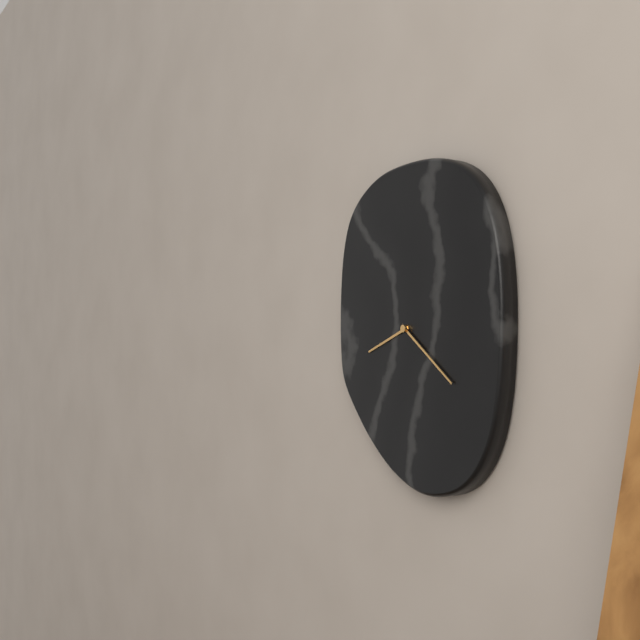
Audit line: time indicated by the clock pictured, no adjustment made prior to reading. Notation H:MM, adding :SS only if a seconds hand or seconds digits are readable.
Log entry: 8:21
